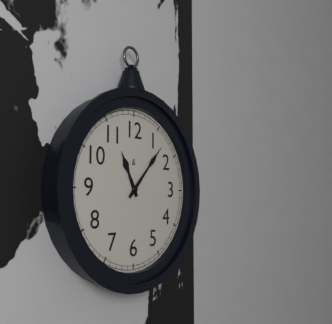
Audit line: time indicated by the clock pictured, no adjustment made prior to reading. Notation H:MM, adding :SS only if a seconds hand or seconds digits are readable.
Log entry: 11:07
